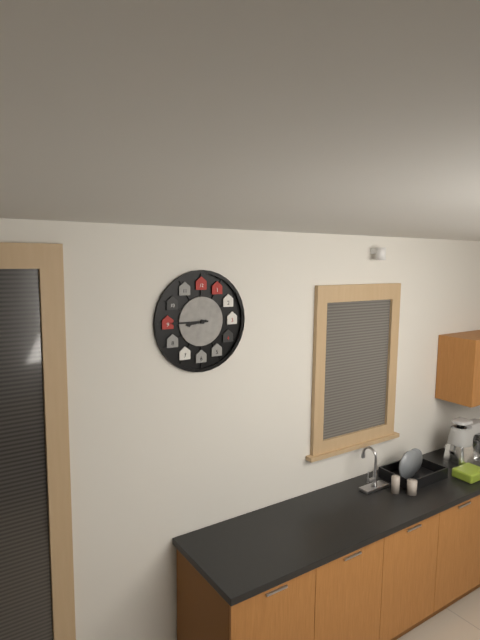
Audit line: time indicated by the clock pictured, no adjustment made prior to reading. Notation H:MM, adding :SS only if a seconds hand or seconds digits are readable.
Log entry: 8:45
